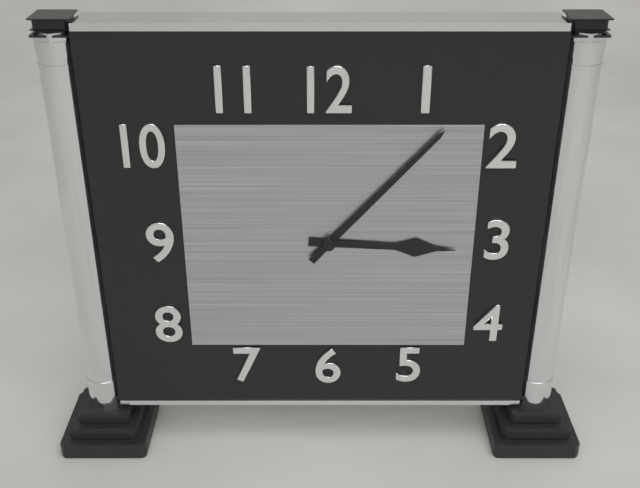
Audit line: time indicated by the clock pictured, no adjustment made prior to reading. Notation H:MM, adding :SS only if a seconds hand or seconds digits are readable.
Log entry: 3:07
